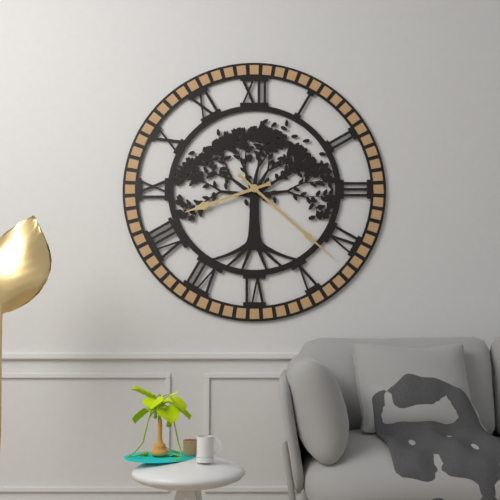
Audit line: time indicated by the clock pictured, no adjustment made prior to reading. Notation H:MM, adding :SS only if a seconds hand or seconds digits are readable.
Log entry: 8:22
